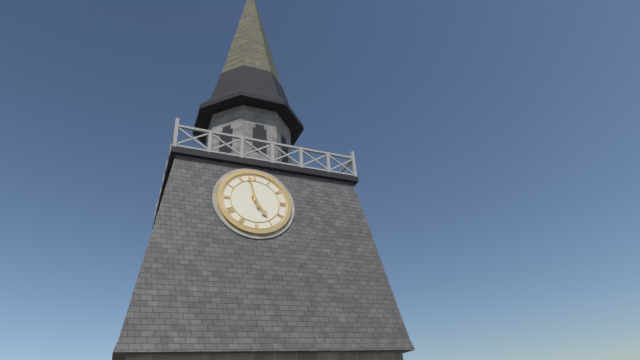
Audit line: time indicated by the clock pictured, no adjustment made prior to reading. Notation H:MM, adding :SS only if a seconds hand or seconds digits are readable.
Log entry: 4:58
